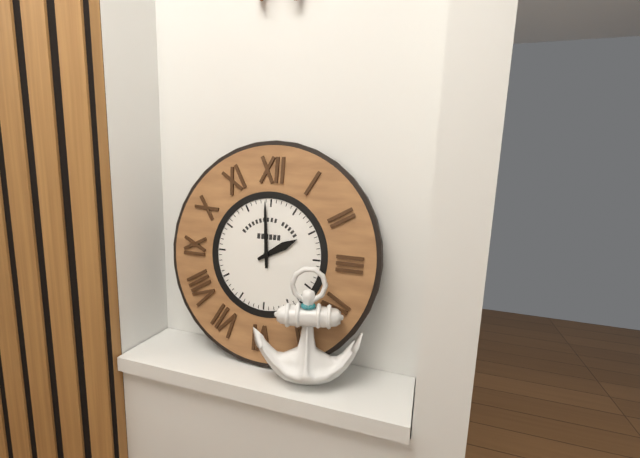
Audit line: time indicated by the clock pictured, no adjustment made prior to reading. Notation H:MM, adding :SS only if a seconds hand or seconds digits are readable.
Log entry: 1:59
